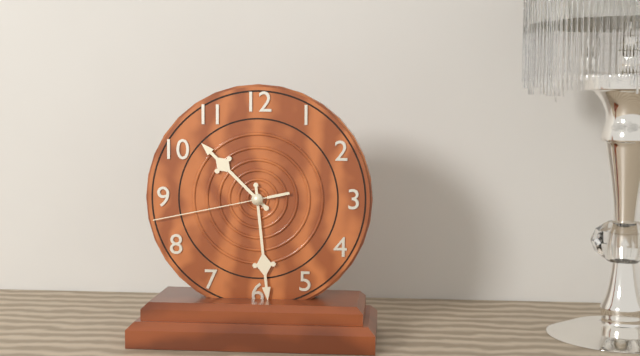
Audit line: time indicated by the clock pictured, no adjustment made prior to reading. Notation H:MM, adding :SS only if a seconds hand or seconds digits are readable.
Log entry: 10:29:43
